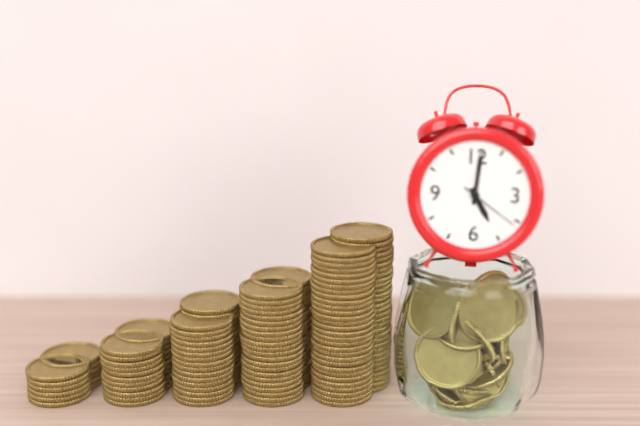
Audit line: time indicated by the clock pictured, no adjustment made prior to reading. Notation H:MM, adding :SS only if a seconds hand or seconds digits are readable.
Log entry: 5:01:21
